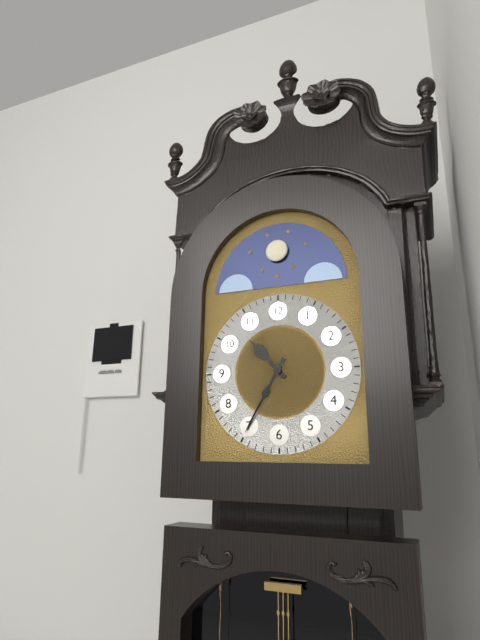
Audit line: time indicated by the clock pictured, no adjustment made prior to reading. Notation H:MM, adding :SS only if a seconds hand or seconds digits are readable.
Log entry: 10:35
